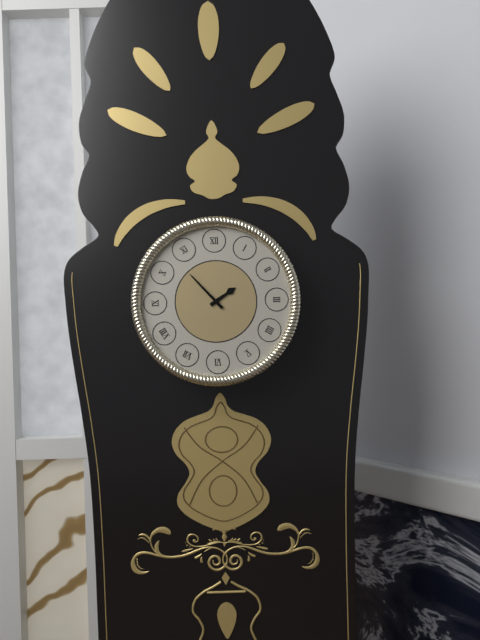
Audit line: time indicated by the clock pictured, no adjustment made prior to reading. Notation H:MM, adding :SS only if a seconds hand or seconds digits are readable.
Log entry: 1:53
